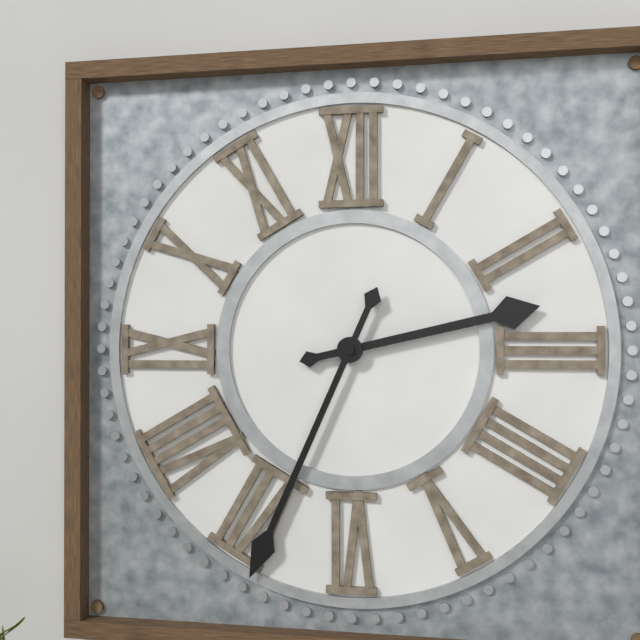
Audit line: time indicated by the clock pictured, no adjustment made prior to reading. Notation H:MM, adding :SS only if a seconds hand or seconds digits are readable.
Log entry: 2:34
